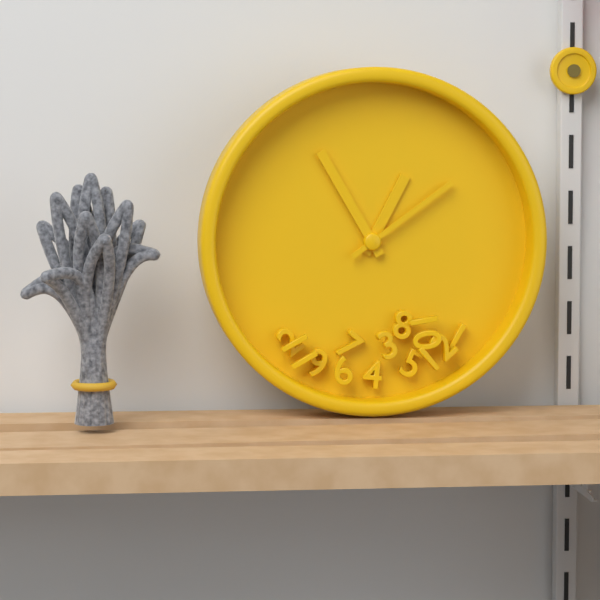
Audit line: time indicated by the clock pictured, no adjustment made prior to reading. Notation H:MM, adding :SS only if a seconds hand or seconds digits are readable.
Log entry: 12:55:09
